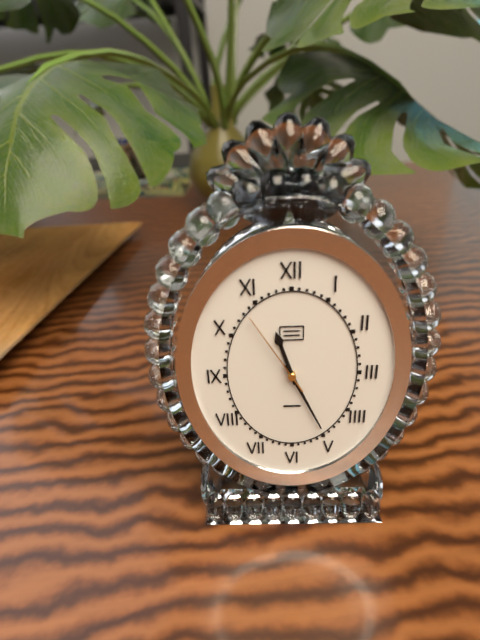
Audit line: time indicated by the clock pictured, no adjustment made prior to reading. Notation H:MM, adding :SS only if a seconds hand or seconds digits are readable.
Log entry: 11:26:55
